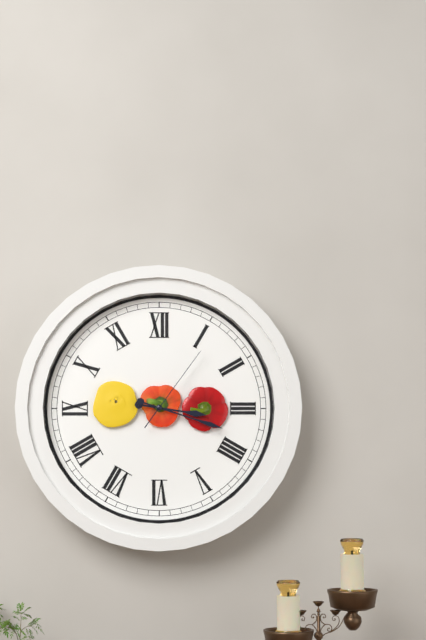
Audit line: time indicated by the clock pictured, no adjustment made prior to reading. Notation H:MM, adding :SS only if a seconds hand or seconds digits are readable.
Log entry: 3:18:06
